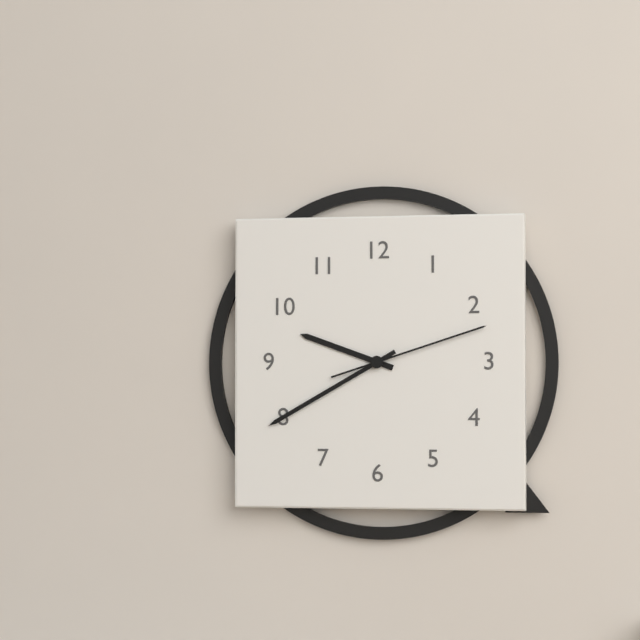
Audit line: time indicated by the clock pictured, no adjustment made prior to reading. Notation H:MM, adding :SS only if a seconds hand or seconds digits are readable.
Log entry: 9:40:12
